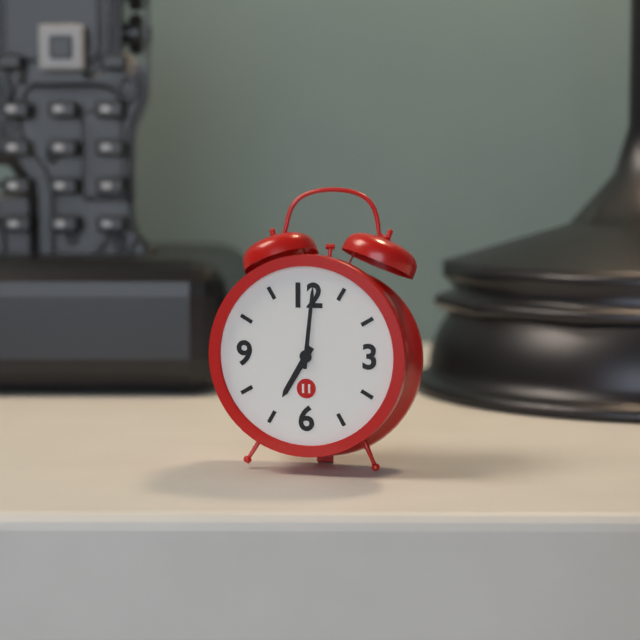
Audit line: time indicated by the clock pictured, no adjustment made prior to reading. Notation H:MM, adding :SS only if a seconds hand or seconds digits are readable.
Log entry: 7:01
